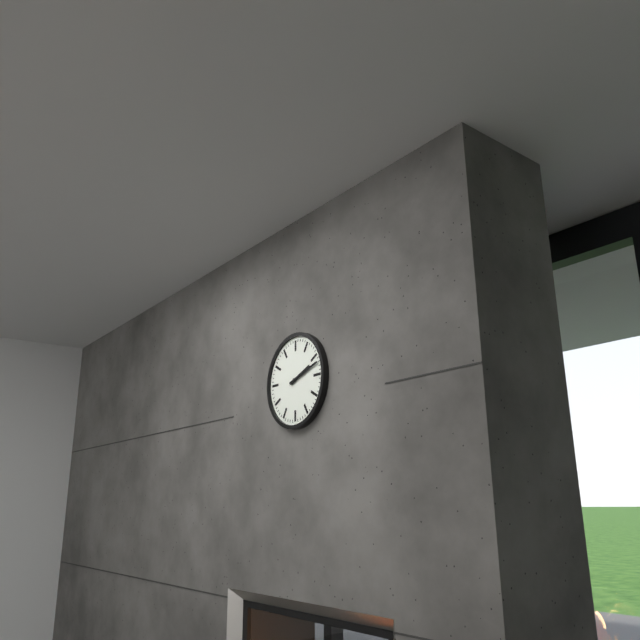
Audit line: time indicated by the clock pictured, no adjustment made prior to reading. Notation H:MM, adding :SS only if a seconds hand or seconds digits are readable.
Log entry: 2:12
